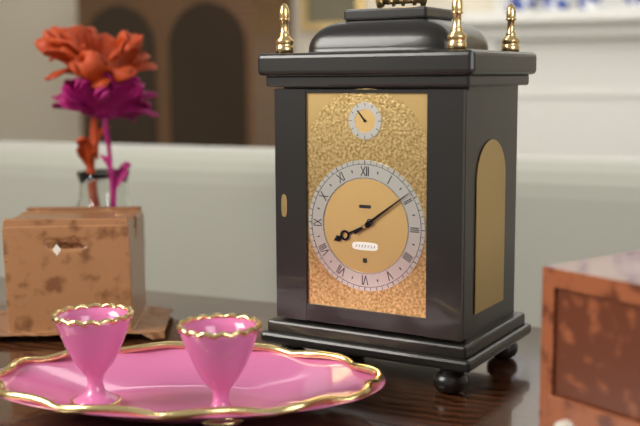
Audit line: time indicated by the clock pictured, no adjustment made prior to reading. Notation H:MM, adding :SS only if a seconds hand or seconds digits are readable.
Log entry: 8:09
